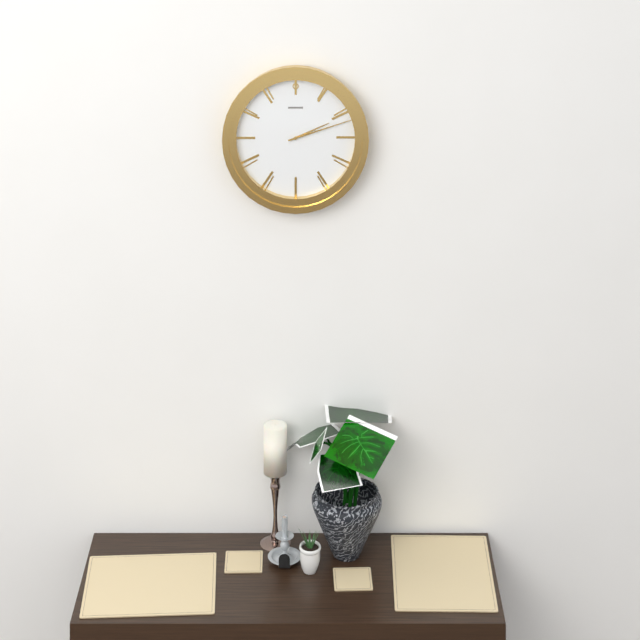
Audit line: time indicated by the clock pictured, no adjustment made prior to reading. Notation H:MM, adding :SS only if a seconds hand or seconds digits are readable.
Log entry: 2:12
